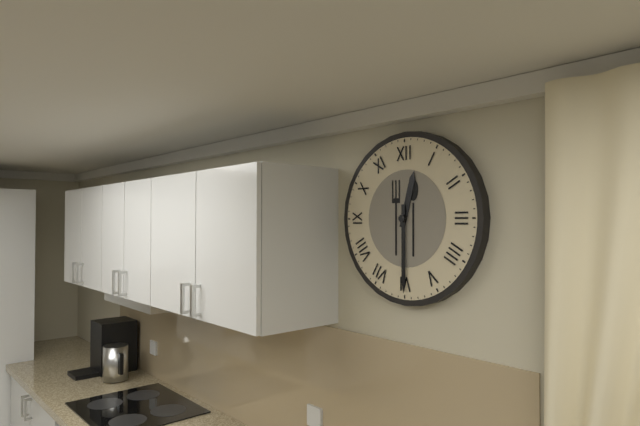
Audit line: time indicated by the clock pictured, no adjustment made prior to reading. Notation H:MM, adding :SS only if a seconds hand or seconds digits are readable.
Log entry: 12:30
